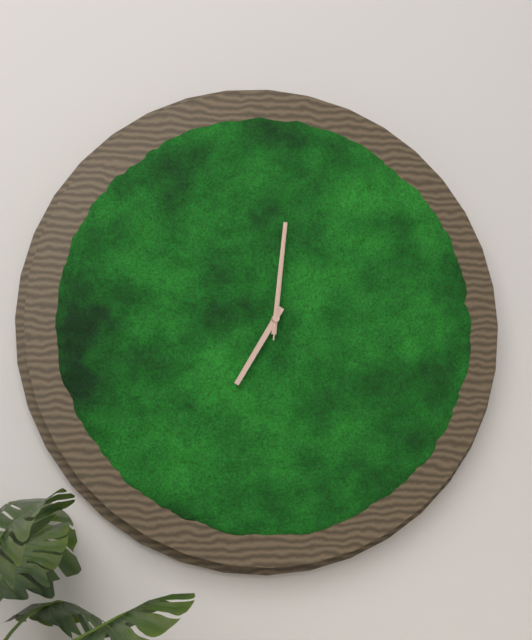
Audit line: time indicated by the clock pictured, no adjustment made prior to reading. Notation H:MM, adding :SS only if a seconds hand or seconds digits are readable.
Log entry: 7:01:01
